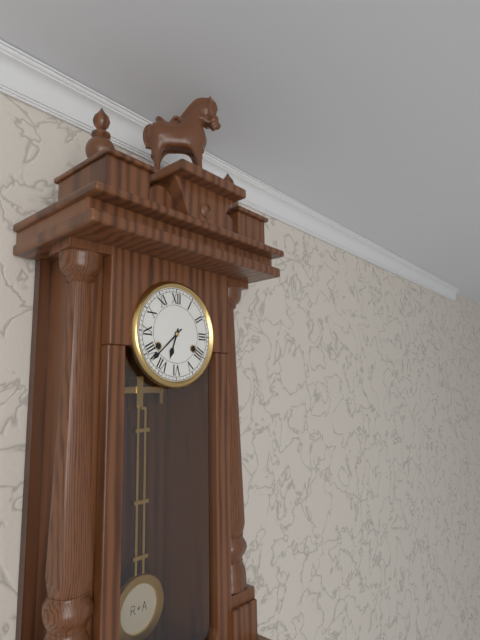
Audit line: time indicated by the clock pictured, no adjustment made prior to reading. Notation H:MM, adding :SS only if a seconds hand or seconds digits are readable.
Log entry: 6:38
